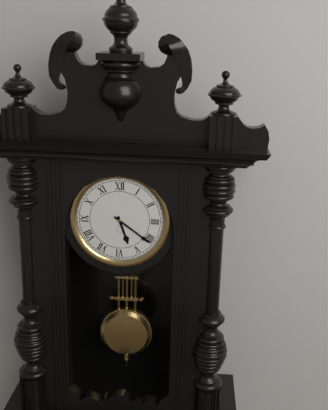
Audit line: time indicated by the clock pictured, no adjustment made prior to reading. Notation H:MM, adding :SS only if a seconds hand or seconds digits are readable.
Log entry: 5:21
